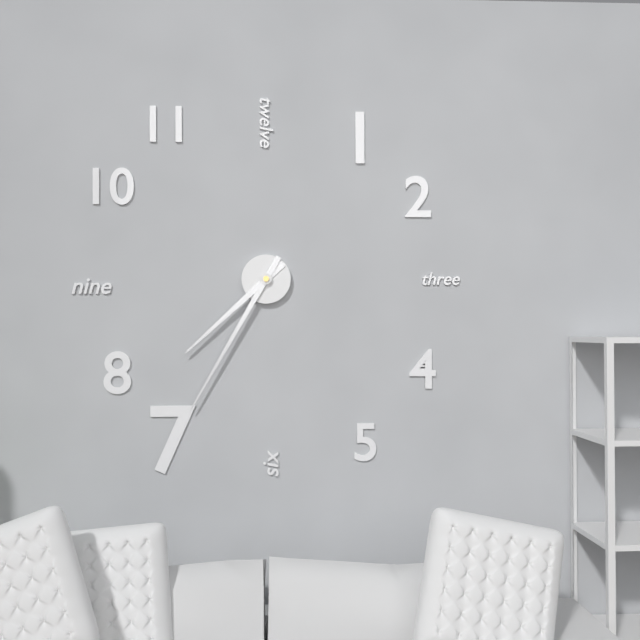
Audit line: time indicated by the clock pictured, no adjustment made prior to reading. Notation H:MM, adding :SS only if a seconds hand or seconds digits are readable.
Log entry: 7:35
